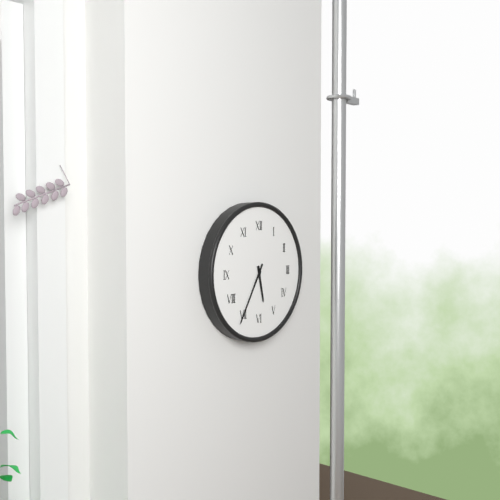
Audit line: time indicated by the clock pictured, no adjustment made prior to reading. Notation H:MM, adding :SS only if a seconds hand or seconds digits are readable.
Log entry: 5:35
